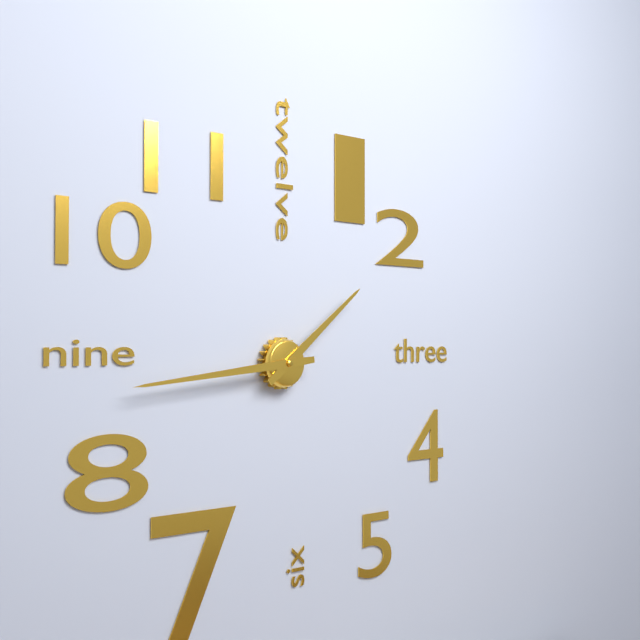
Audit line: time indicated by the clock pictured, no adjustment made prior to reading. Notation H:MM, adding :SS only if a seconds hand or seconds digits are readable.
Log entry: 1:44
